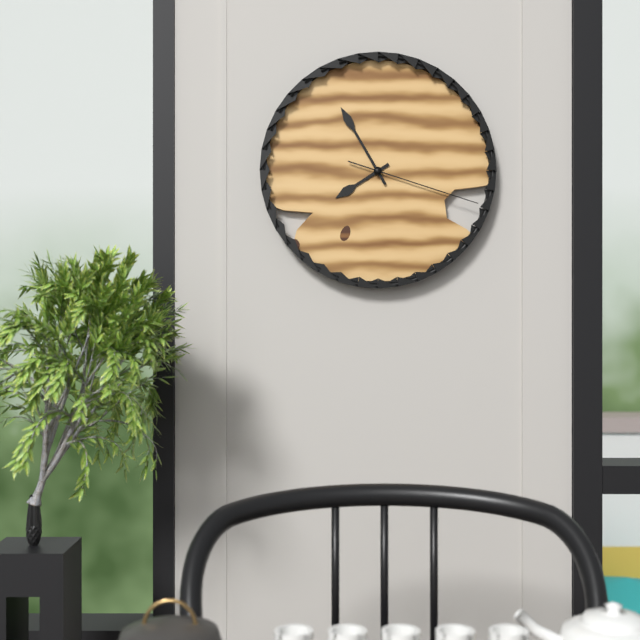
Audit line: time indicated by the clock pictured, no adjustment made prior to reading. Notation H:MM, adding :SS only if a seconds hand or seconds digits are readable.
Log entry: 7:55:18
